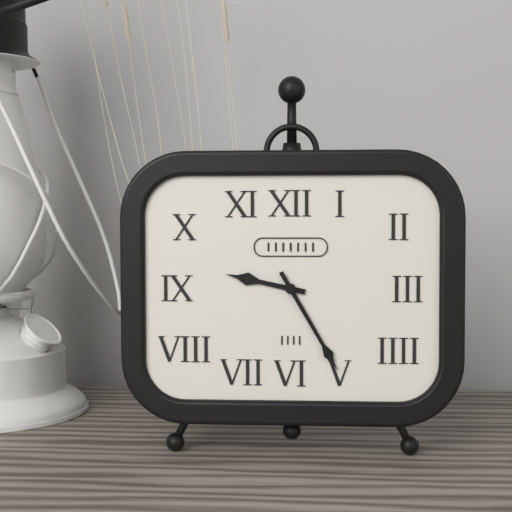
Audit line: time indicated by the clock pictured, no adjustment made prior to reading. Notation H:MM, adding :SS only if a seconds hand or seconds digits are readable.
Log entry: 9:25
